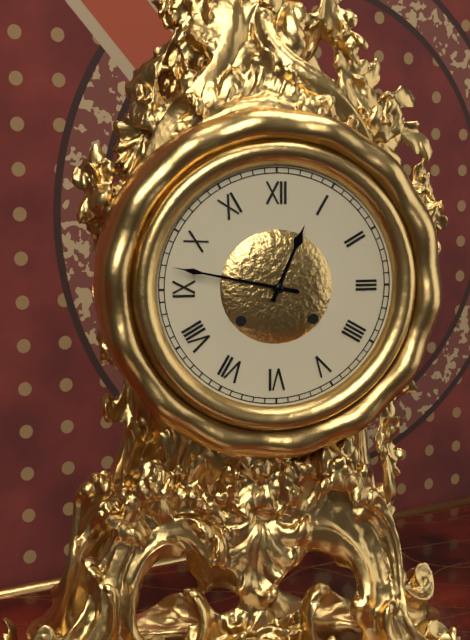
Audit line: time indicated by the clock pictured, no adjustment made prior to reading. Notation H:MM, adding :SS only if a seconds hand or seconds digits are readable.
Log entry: 12:47
